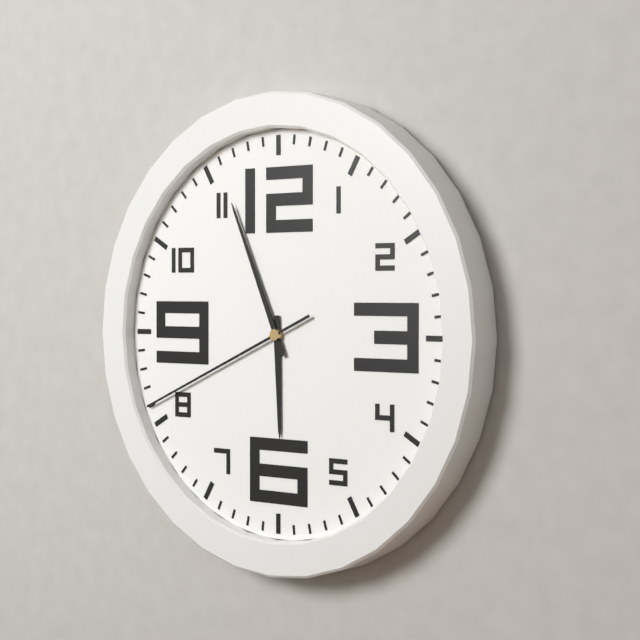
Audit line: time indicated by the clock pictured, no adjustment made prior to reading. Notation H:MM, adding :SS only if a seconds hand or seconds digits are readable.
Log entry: 5:56:41
